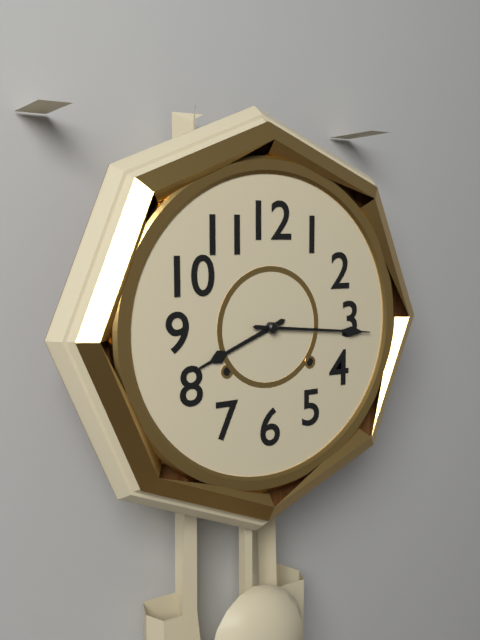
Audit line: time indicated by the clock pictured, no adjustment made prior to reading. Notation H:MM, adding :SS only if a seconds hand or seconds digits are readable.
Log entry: 8:16
